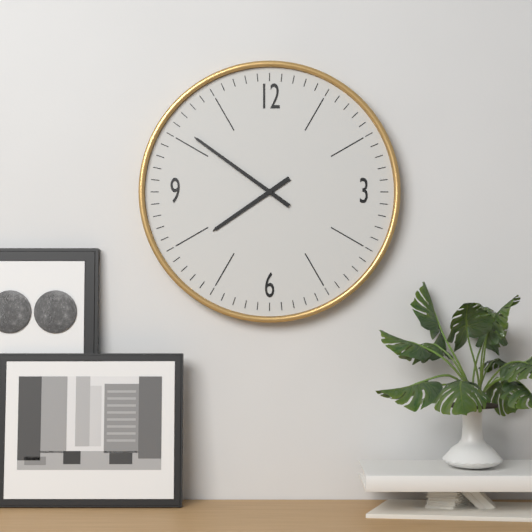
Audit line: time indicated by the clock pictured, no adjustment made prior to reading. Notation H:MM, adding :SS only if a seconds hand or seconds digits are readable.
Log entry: 7:51
